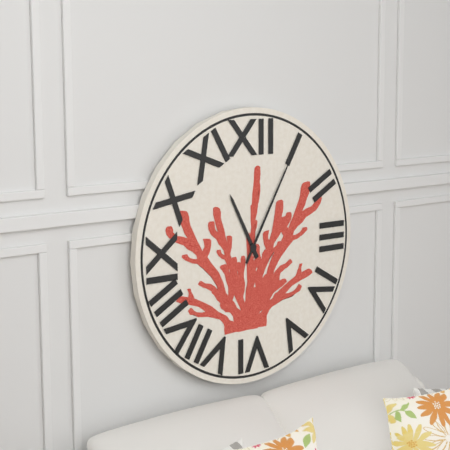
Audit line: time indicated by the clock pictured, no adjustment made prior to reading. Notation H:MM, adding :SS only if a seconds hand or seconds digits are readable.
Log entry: 11:05
